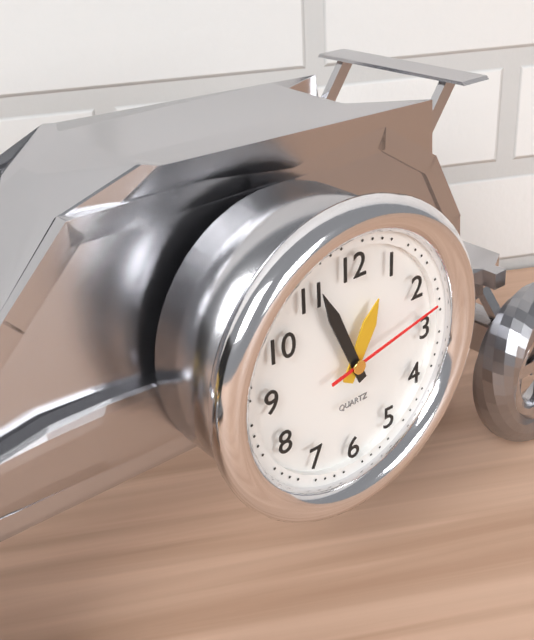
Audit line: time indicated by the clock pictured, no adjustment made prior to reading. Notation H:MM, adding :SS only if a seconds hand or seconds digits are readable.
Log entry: 12:56:13
